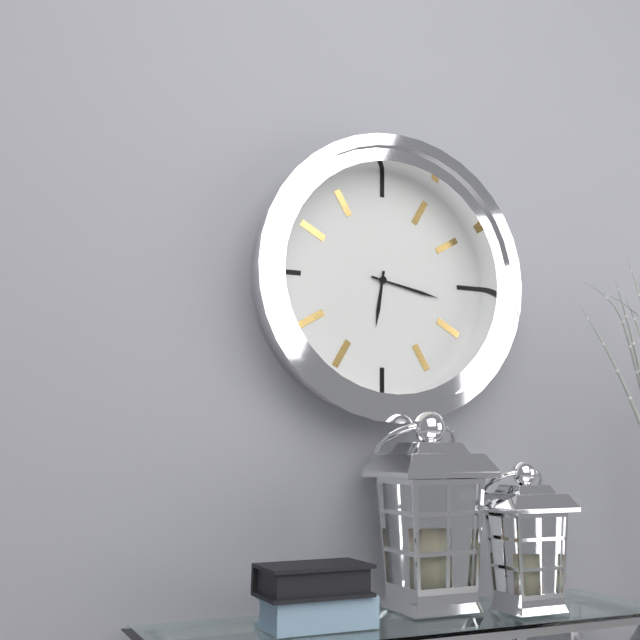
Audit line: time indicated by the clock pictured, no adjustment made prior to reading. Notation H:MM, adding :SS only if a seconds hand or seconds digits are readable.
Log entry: 6:17
